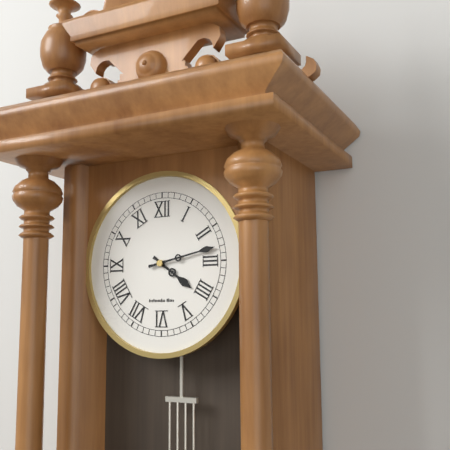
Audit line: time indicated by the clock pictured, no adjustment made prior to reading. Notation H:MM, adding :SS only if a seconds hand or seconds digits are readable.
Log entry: 4:13
